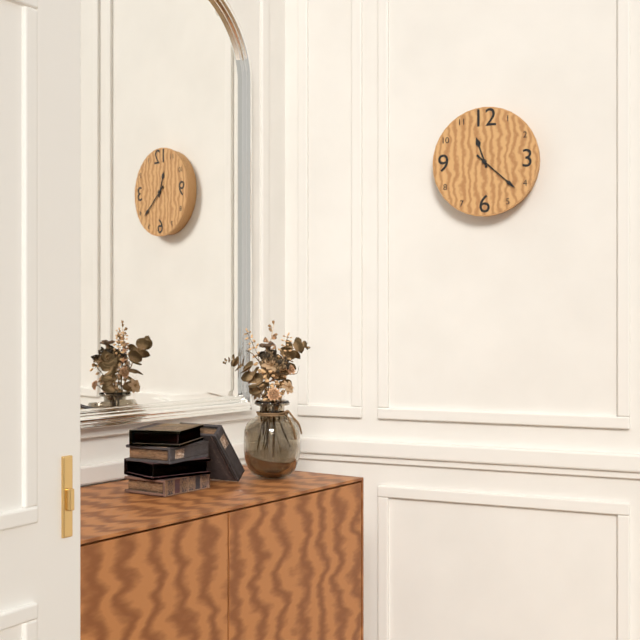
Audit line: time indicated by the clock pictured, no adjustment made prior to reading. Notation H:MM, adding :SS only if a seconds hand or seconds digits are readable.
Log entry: 11:22
